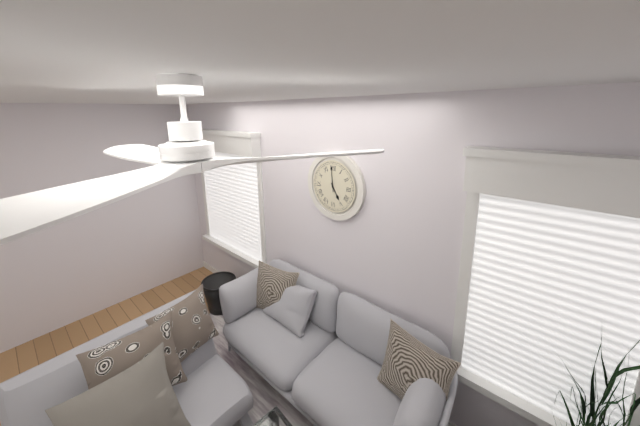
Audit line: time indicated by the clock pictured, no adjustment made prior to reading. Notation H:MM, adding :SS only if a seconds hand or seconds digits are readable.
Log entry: 4:59
